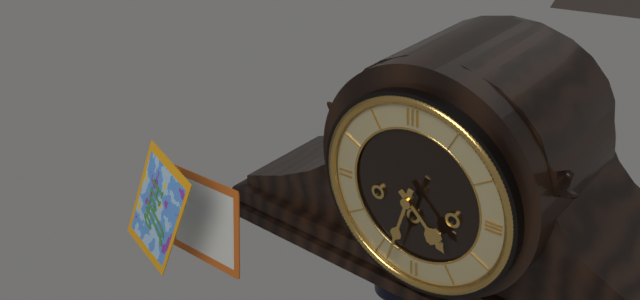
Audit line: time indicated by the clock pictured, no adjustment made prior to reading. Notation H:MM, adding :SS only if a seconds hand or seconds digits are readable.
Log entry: 4:33
